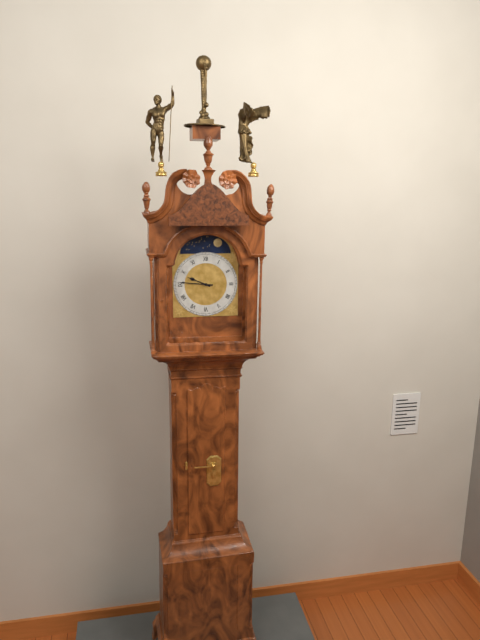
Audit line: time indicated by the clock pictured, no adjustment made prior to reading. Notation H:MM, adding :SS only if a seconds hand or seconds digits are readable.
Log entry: 9:46
